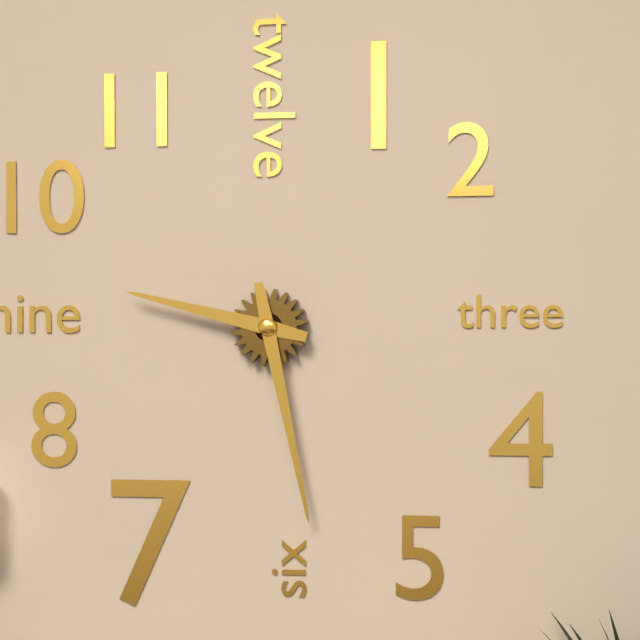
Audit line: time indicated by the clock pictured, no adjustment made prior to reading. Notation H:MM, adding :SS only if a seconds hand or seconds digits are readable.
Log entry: 9:28
